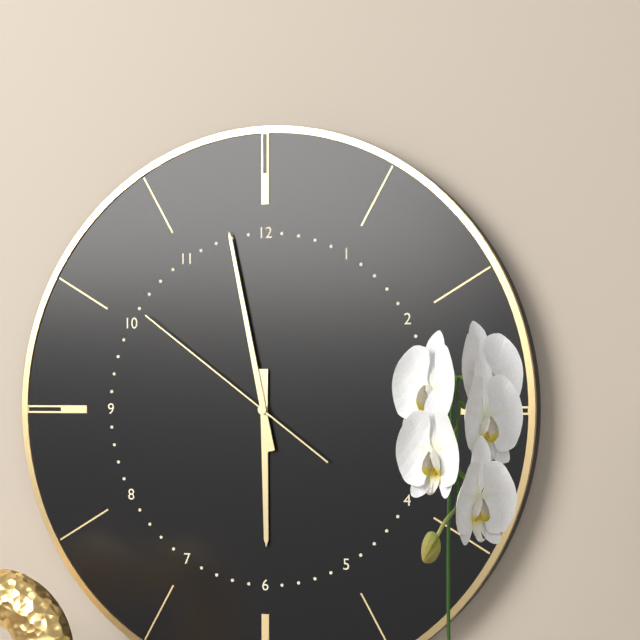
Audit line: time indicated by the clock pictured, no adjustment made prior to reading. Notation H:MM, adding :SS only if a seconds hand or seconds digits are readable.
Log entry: 5:58:51
